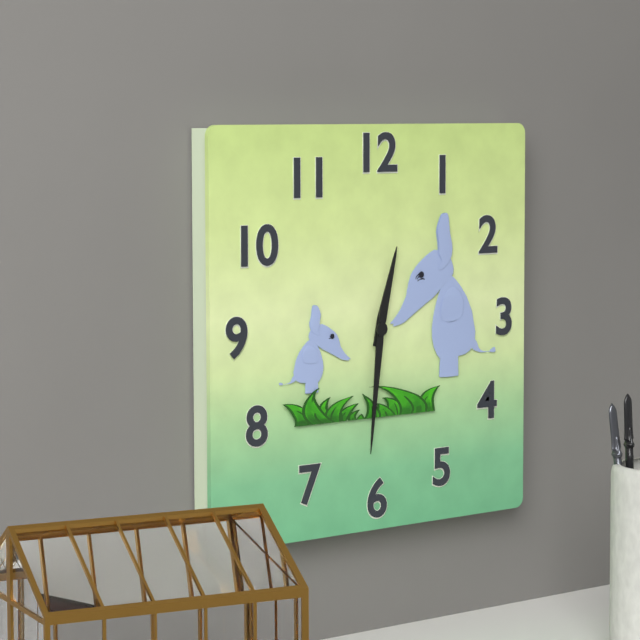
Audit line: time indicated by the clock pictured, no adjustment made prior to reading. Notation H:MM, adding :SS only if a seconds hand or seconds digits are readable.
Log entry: 12:31
